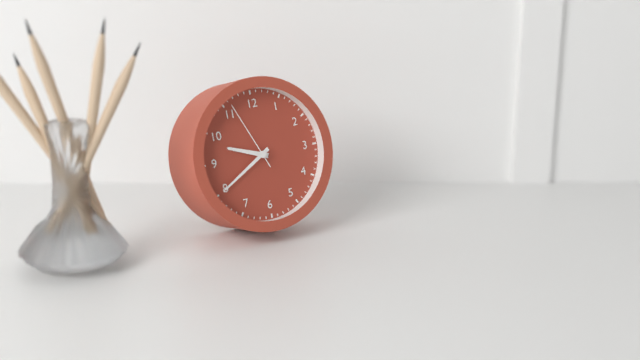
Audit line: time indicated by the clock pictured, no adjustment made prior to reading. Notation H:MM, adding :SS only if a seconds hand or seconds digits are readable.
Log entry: 9:40:56
